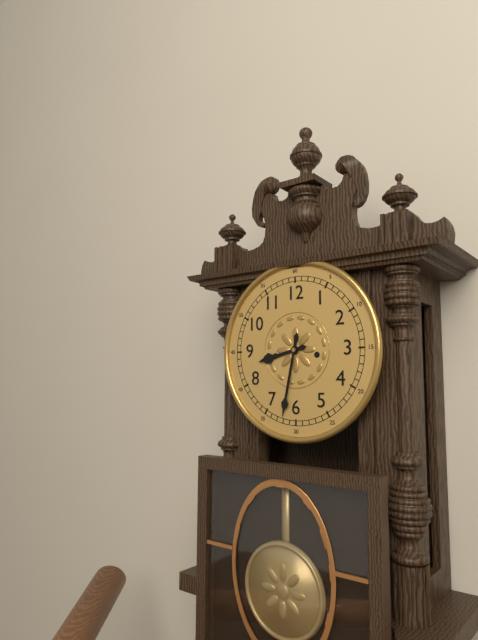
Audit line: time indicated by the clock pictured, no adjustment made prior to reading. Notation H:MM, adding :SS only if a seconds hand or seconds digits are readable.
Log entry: 8:32
